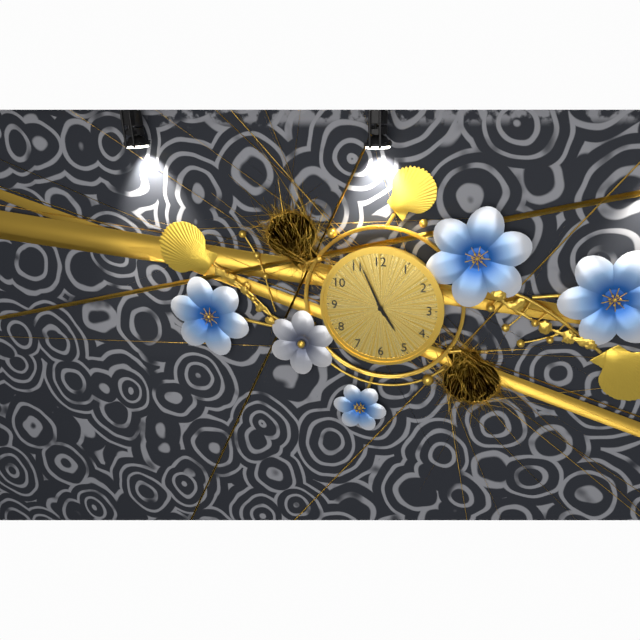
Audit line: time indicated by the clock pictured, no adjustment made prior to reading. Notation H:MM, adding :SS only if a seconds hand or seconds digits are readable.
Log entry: 4:56
